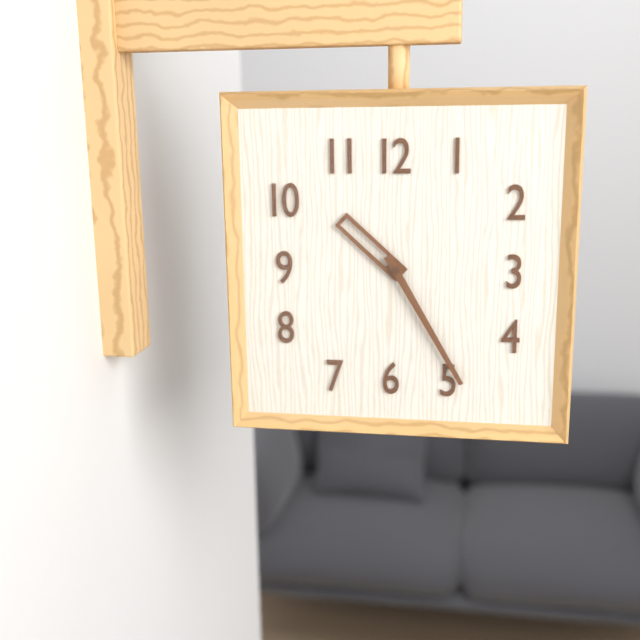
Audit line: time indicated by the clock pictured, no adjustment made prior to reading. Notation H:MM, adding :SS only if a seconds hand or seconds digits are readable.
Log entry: 10:25
